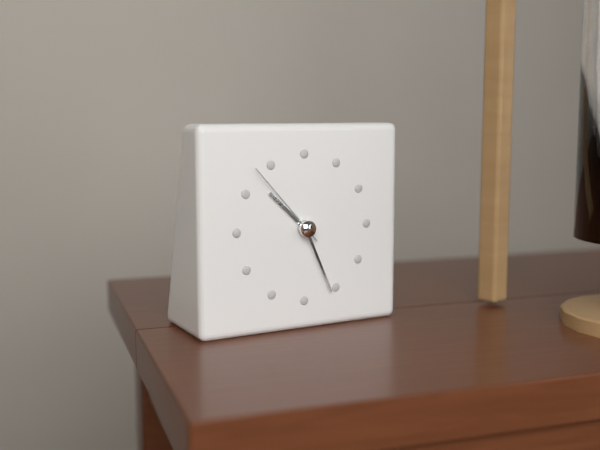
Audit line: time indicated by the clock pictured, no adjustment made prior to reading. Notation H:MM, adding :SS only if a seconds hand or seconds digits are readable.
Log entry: 10:26:53
